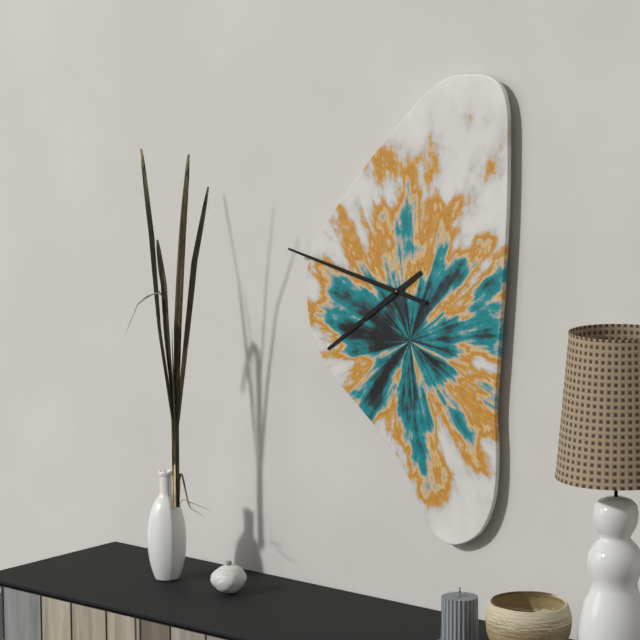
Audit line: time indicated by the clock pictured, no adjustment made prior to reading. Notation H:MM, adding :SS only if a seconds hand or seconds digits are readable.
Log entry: 7:47
